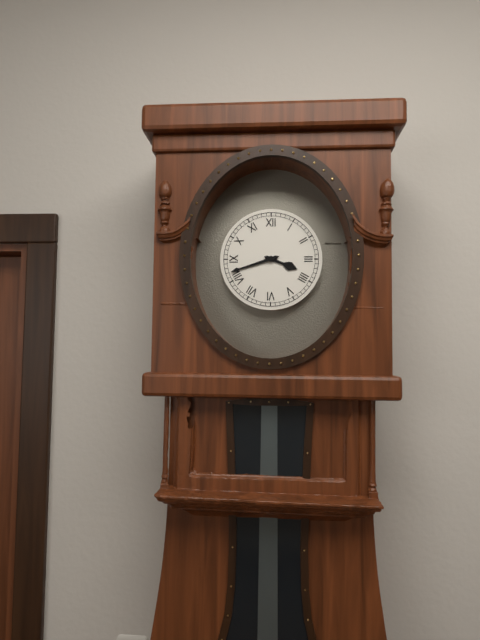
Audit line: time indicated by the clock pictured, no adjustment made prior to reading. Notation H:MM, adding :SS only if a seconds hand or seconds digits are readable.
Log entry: 3:42
